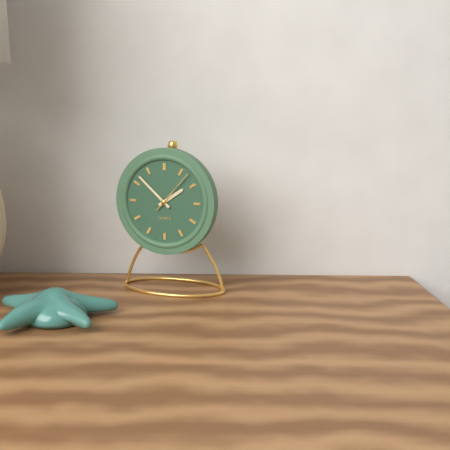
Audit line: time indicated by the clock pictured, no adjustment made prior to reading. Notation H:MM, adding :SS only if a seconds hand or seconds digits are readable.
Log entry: 1:52
